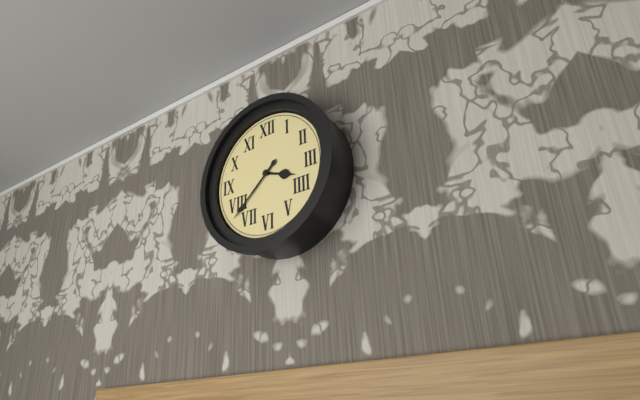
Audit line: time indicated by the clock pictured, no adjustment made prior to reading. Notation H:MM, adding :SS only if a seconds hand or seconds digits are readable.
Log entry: 3:38
